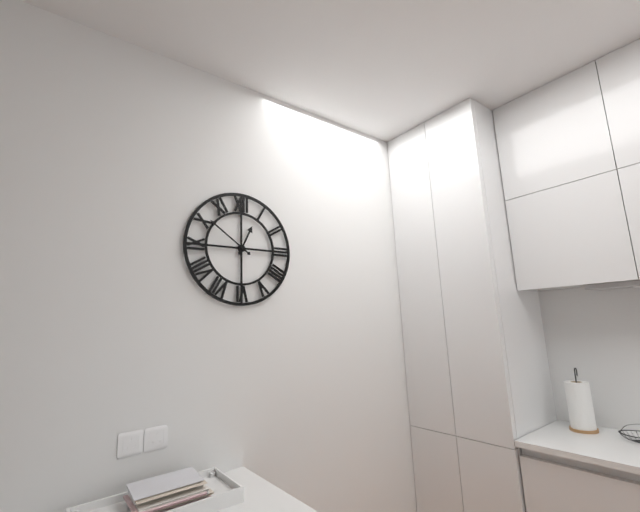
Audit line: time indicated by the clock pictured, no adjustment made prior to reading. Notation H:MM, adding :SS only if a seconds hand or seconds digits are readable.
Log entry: 12:51
